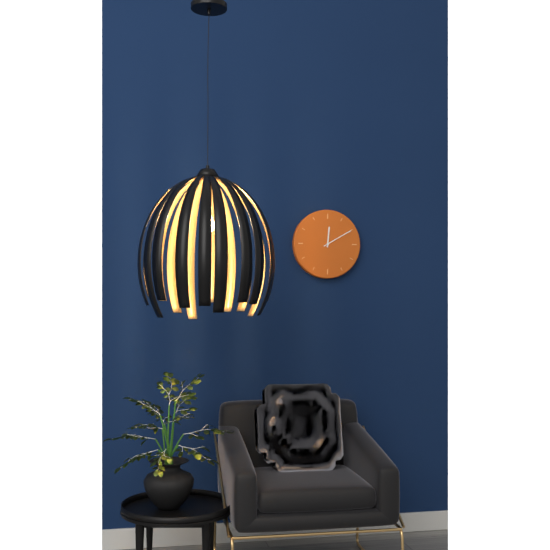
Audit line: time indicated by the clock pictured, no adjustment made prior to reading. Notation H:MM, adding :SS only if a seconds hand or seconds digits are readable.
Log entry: 12:10
